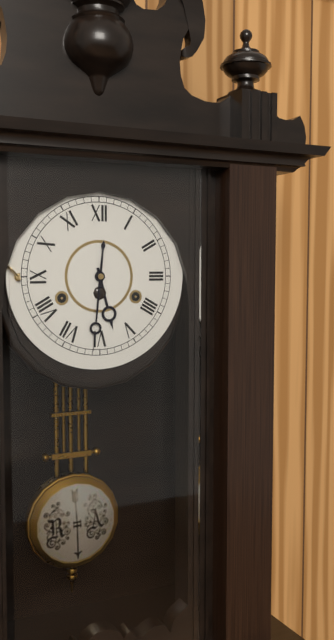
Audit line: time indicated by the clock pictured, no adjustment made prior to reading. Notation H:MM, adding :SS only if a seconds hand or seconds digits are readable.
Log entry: 5:31
